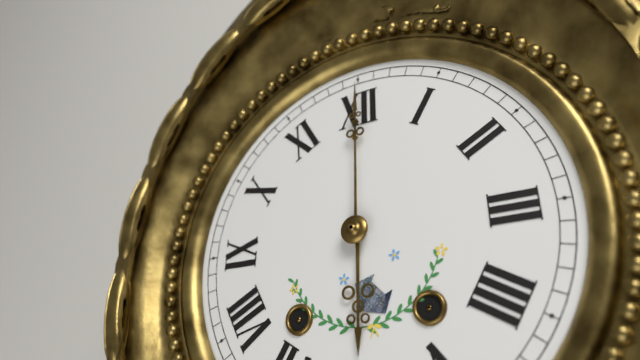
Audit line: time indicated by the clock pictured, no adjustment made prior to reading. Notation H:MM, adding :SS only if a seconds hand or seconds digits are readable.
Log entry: 6:00
